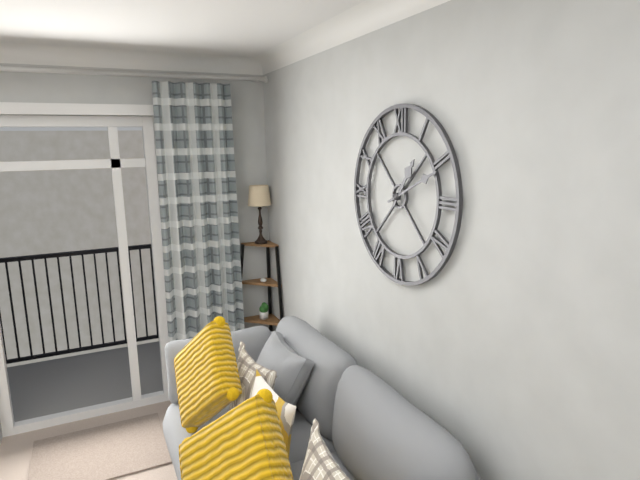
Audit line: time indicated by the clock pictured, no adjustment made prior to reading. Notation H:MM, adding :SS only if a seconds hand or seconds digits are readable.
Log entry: 1:11
